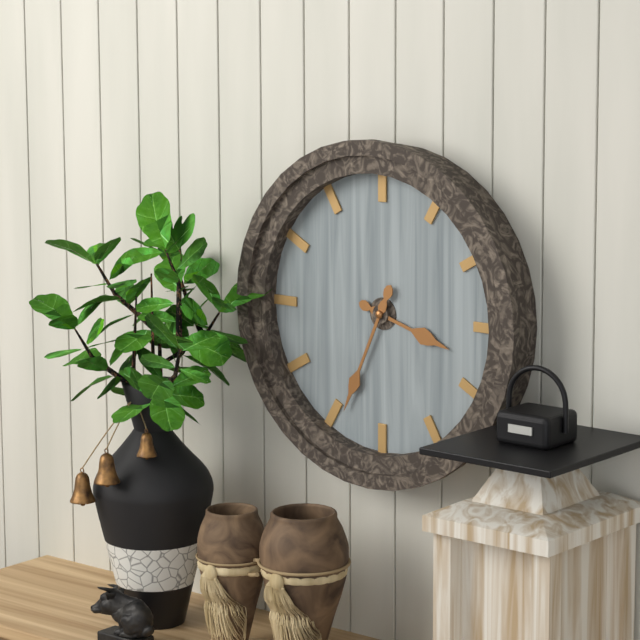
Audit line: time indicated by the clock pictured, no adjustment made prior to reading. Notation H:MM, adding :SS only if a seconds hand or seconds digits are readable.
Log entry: 3:34
